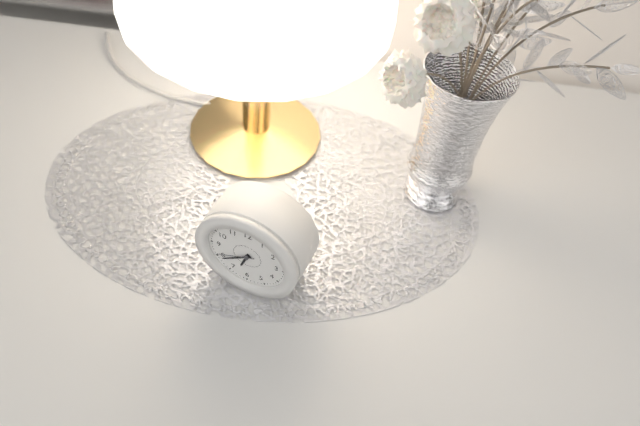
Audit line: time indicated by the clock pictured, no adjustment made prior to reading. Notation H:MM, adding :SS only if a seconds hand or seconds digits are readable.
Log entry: 6:39
